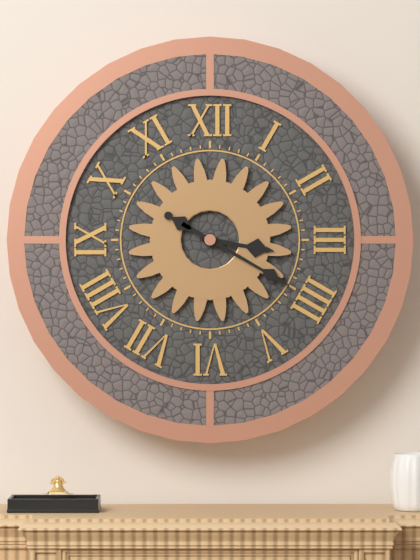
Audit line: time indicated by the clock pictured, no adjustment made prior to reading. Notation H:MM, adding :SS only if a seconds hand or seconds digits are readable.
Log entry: 3:20
